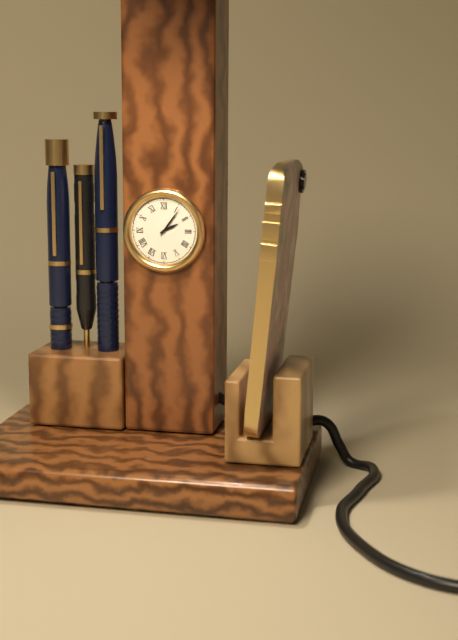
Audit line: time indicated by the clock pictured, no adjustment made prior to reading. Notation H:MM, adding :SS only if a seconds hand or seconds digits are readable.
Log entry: 2:06
